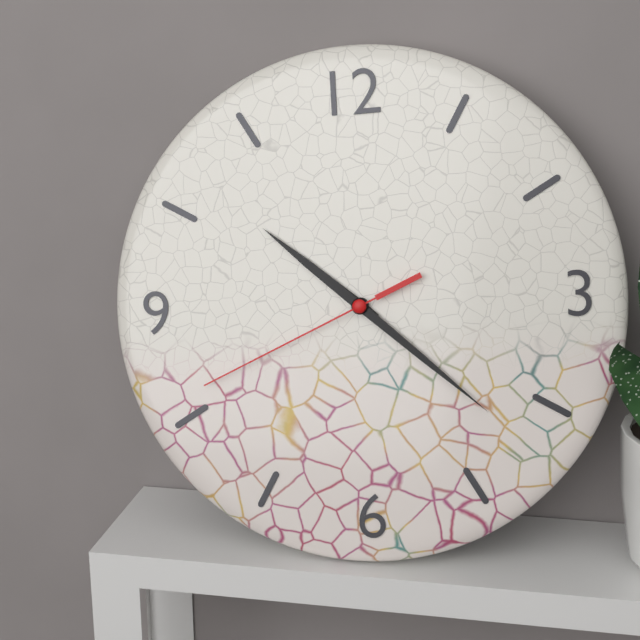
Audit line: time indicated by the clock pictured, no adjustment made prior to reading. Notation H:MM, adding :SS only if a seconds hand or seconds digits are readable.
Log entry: 10:22:41
